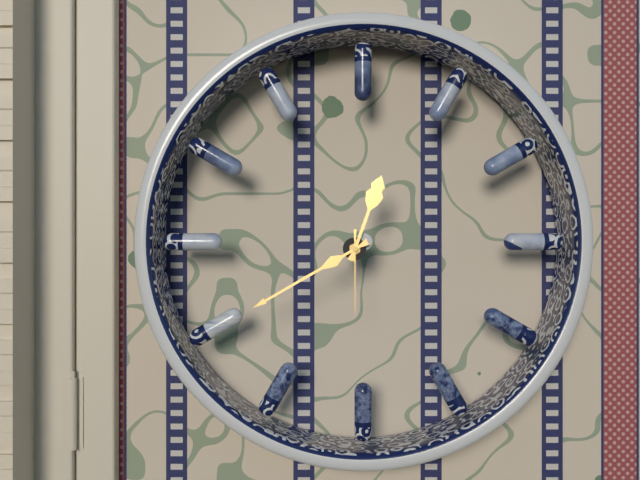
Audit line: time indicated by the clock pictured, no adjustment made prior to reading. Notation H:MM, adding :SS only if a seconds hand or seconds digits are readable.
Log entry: 12:40:30
